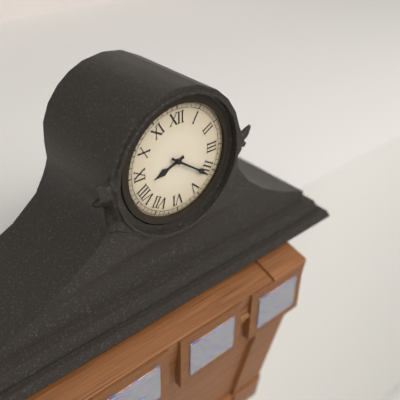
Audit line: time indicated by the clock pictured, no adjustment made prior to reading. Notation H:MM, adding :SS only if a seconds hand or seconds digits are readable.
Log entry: 8:21
